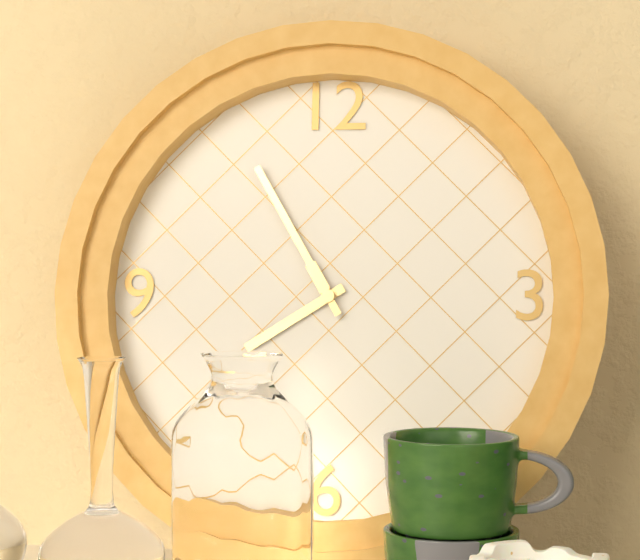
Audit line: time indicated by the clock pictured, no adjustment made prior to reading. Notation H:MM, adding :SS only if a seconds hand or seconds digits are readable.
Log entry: 7:55
